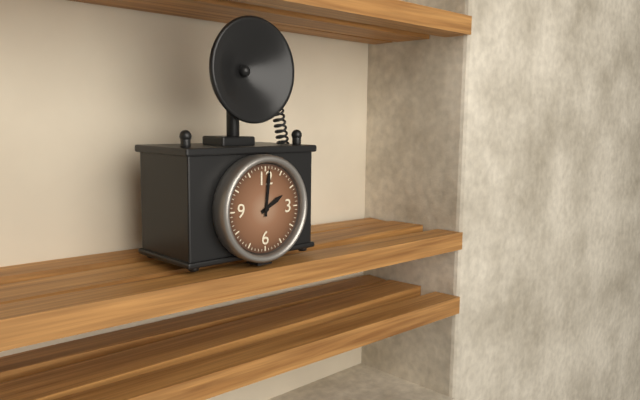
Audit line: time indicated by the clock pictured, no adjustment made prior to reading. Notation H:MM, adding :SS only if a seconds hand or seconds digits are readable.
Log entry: 2:01
